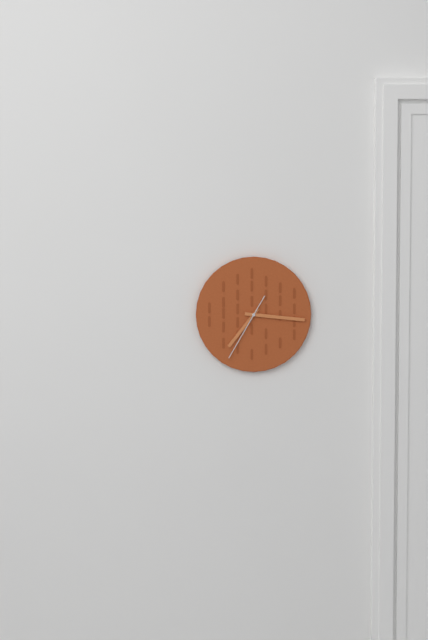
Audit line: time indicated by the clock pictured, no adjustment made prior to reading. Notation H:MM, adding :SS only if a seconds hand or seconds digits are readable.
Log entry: 7:16:35
